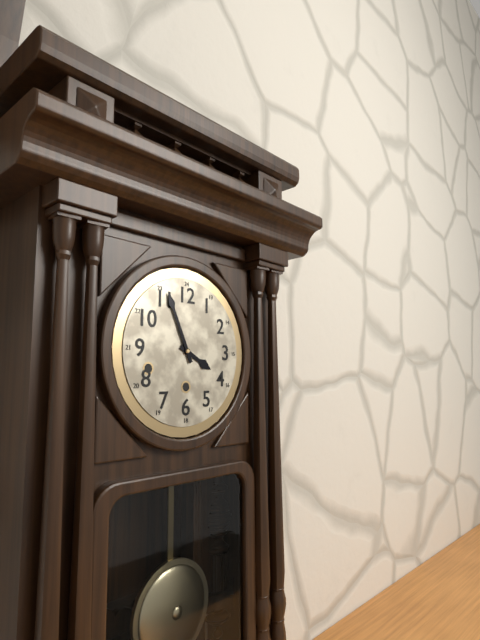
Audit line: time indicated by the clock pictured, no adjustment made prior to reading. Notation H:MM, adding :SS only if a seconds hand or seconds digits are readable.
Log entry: 3:56
